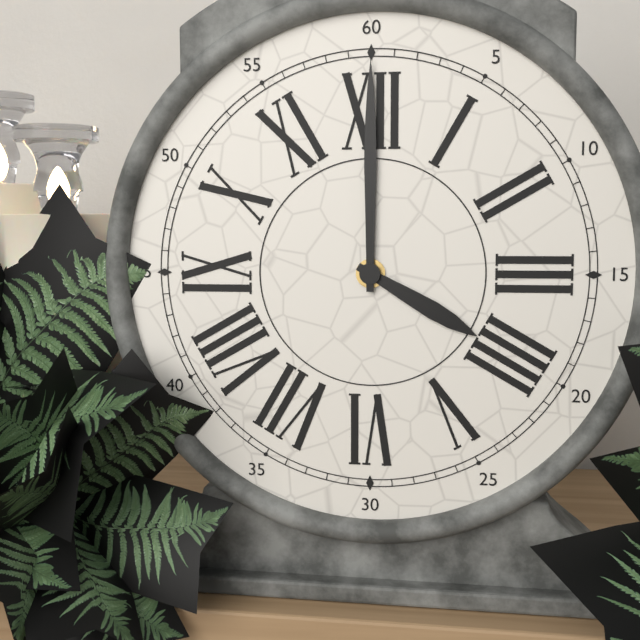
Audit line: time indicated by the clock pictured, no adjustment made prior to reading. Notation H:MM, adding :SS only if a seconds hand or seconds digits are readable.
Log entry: 4:00
